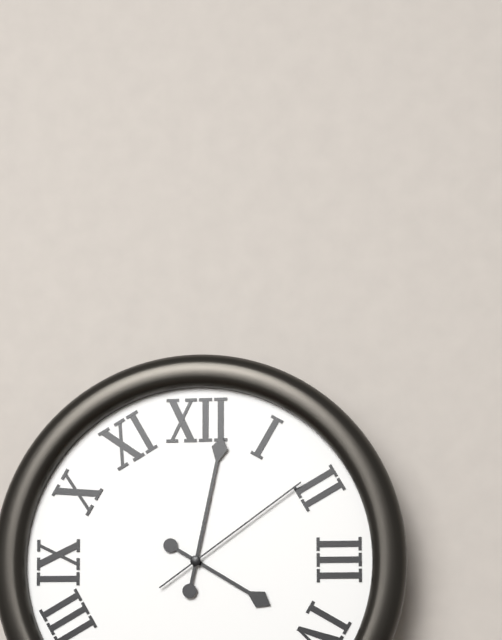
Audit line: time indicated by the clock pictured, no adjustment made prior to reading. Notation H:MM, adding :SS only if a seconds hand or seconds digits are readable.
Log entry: 4:02:09
